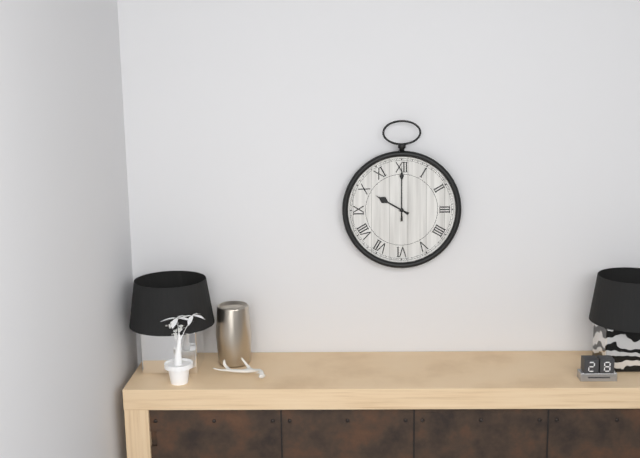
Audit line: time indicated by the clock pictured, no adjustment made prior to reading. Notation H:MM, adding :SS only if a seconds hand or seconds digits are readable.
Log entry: 10:00
